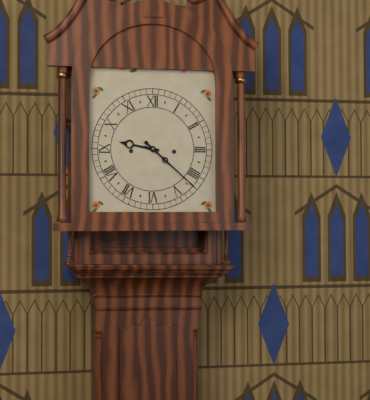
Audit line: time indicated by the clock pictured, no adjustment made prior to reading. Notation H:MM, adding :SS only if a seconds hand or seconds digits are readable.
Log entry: 9:22
